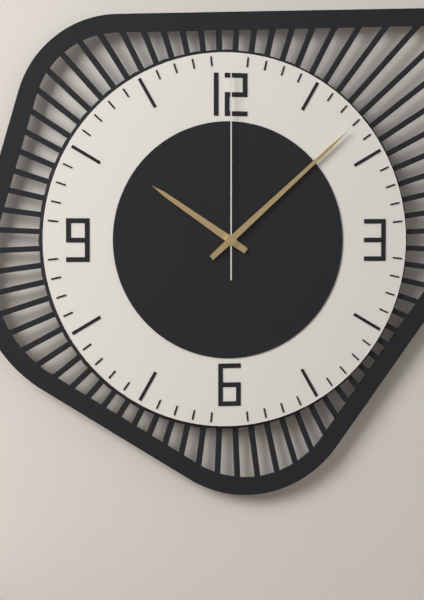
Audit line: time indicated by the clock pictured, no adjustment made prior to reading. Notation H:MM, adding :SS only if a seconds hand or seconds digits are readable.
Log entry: 10:08:00
